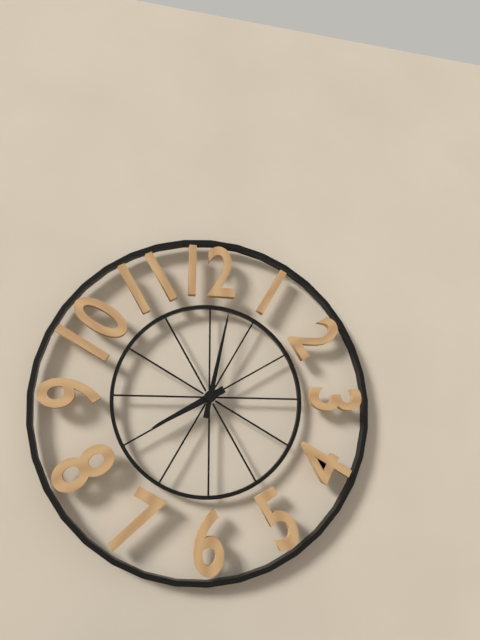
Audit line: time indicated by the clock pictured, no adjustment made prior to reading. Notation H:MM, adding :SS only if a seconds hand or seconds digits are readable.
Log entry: 8:02
